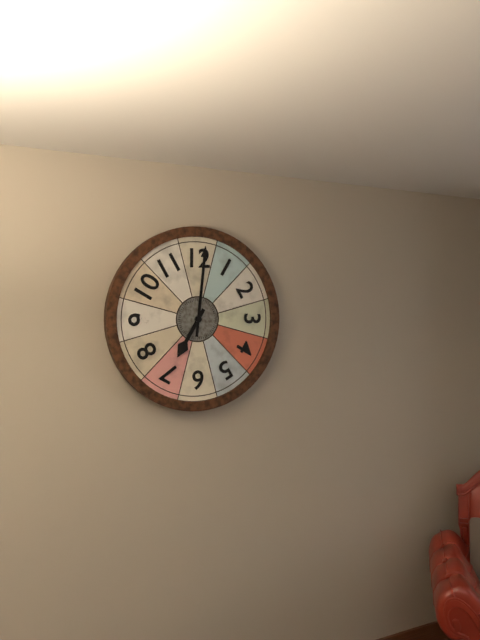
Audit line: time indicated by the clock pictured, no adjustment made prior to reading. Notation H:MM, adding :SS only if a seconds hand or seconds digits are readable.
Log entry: 7:01
